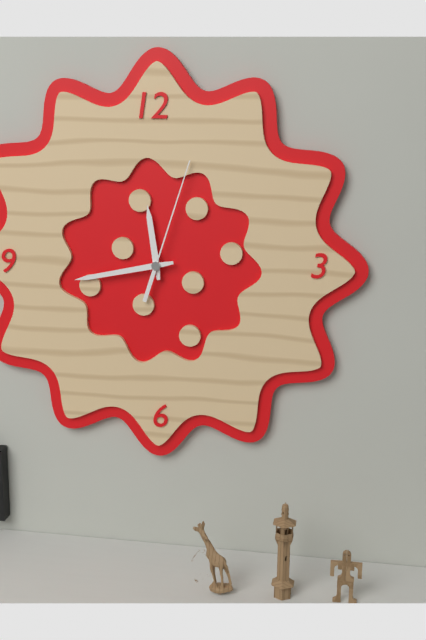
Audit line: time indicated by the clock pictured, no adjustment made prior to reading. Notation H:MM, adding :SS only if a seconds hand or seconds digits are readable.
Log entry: 11:43:03
